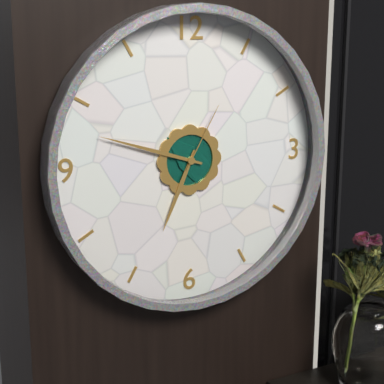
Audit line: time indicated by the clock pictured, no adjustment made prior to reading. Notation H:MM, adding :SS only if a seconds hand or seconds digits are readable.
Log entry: 6:48:05
